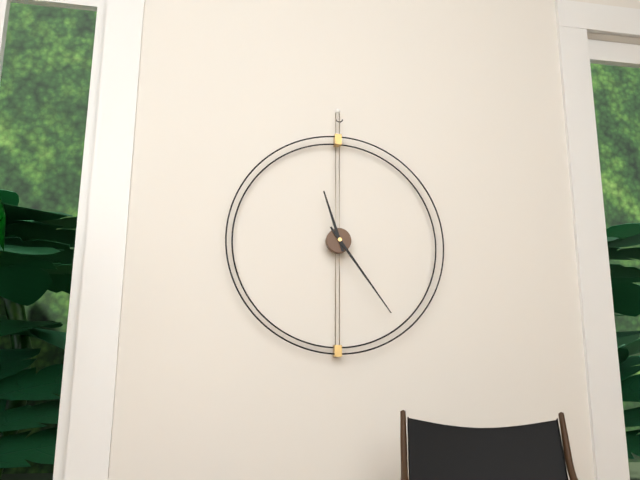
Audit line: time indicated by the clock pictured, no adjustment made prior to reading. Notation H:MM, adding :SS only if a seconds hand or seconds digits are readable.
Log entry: 11:24
